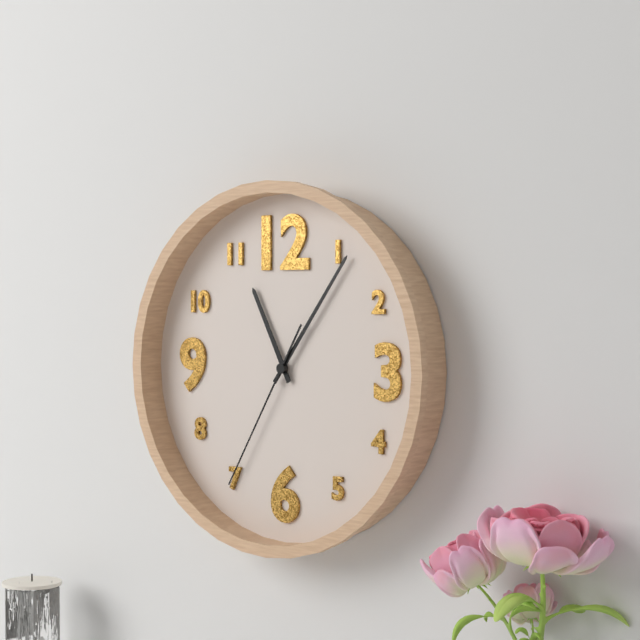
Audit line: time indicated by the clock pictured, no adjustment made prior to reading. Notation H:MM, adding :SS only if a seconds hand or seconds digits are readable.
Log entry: 11:06:35
